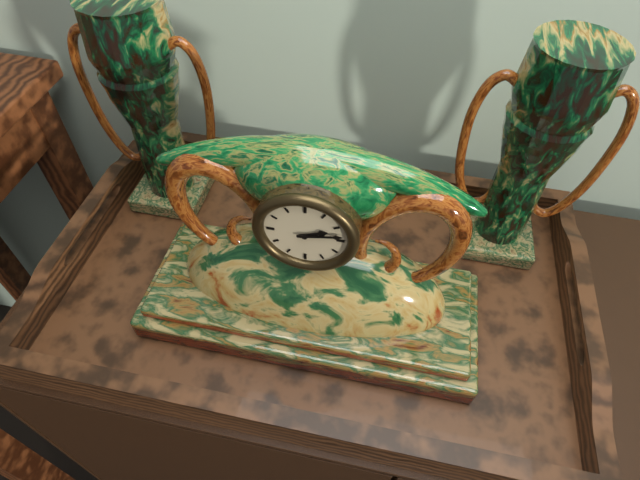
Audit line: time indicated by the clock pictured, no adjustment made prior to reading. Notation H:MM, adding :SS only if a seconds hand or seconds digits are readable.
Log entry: 2:13
